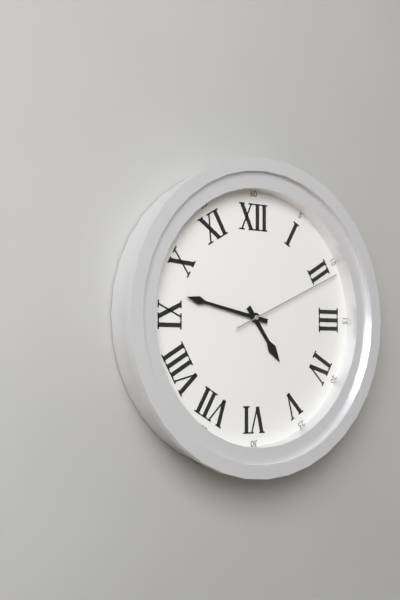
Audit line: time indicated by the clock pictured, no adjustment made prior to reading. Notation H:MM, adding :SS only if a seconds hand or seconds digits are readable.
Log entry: 4:47:11
